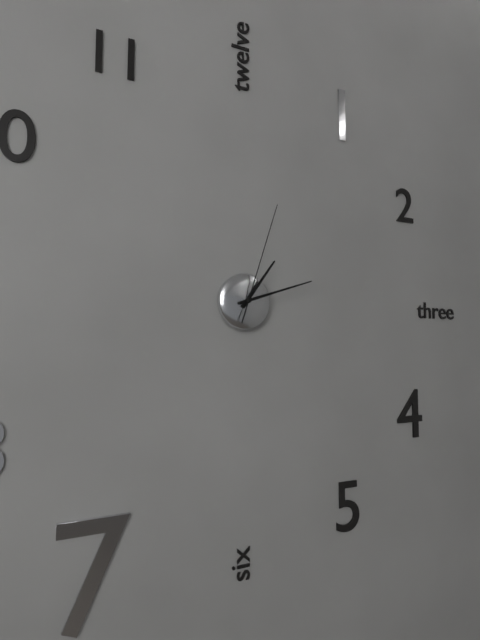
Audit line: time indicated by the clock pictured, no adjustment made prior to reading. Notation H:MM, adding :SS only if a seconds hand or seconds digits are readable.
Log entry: 1:12:03
